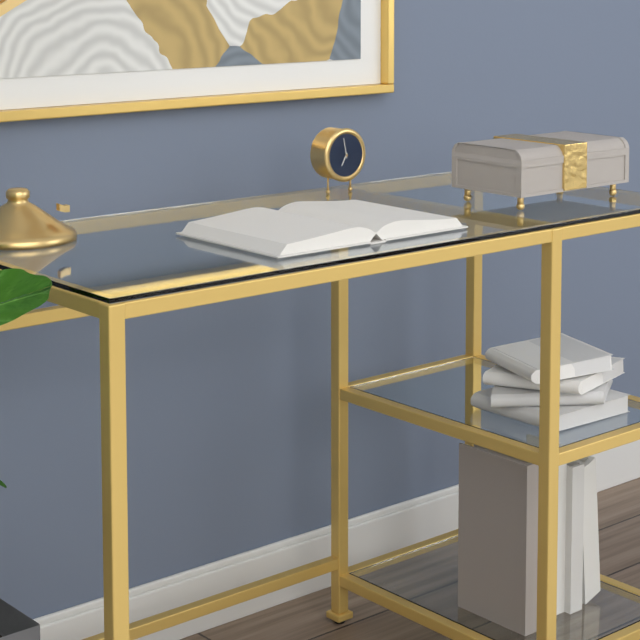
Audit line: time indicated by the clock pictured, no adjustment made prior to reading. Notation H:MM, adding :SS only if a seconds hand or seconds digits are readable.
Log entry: 6:58
